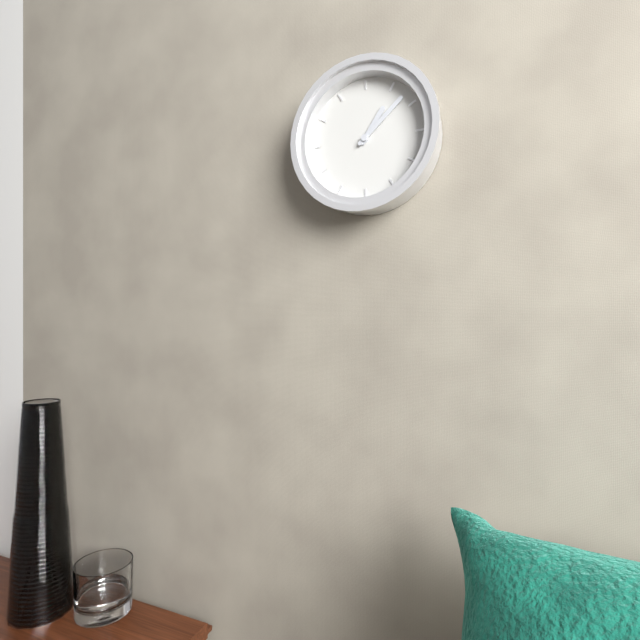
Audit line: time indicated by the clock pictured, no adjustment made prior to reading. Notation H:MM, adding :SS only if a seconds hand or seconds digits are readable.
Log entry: 1:08
